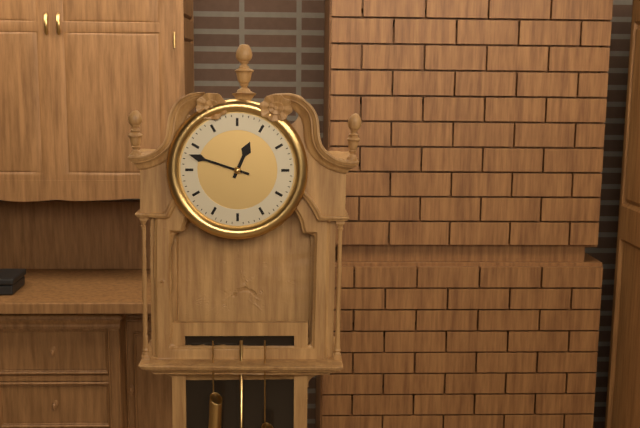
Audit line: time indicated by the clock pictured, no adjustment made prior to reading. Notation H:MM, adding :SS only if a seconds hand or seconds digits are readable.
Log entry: 12:48
